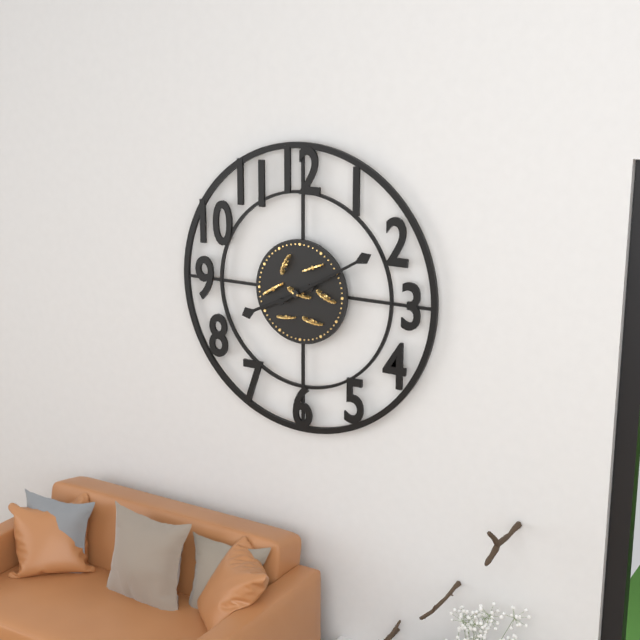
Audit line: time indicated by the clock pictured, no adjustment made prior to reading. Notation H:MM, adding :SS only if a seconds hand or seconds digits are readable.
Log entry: 8:10
